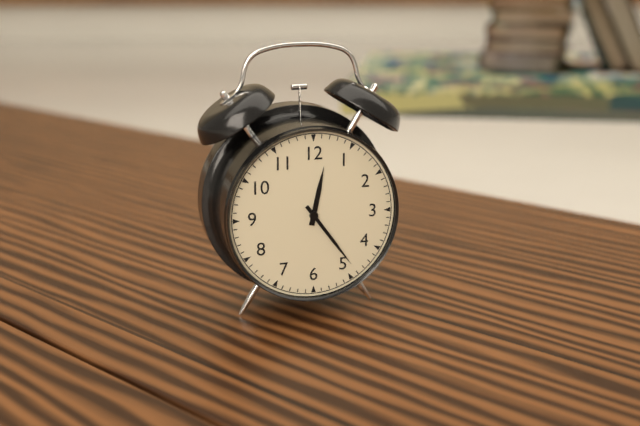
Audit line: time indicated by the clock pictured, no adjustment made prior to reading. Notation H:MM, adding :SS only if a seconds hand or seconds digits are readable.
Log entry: 12:24
